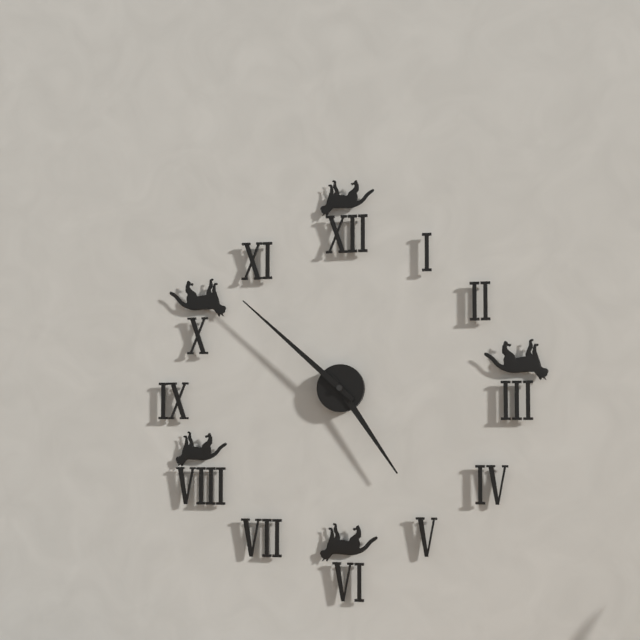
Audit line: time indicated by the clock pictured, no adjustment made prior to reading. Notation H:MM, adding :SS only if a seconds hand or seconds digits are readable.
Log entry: 4:52
